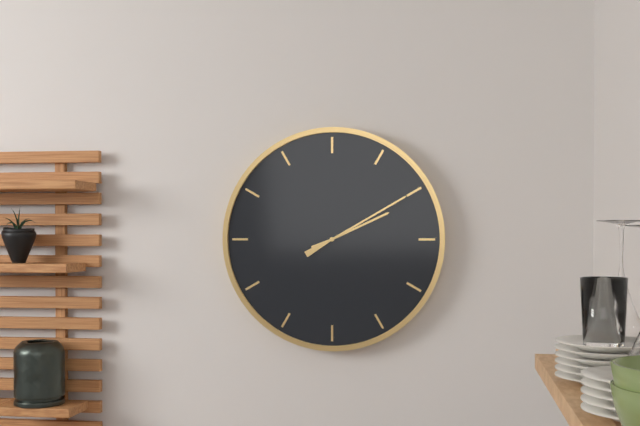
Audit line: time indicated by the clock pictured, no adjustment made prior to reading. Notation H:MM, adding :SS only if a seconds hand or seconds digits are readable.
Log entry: 2:10
